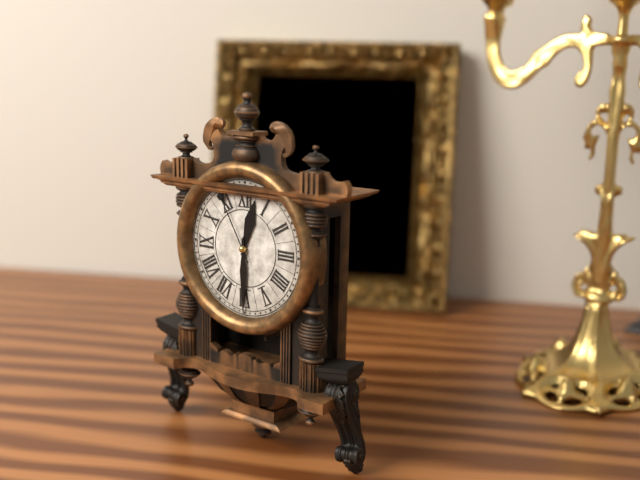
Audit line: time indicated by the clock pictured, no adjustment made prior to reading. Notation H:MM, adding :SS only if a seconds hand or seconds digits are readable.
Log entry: 12:30:55
